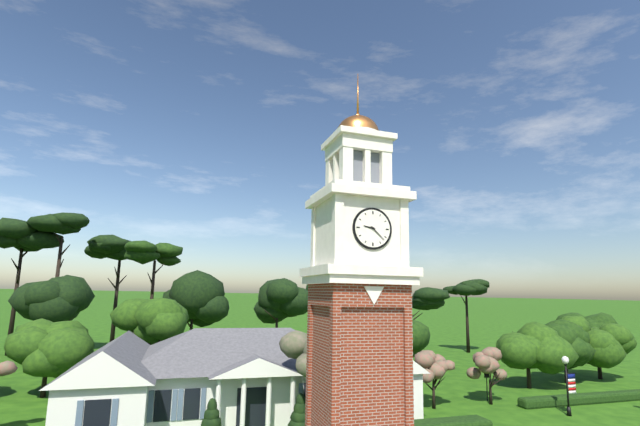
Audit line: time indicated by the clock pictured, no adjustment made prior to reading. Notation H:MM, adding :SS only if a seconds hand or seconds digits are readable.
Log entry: 9:22
